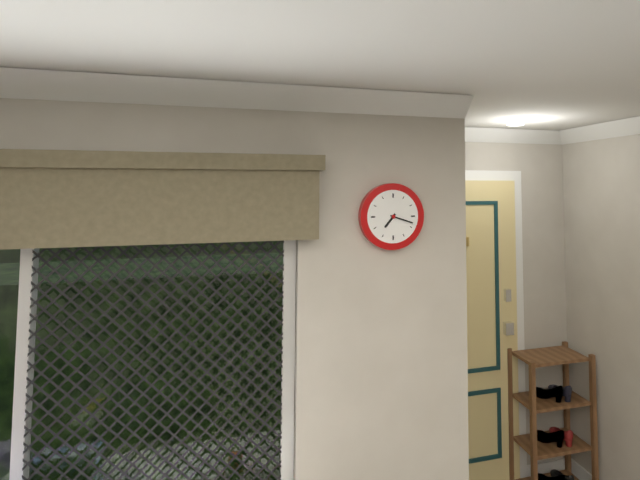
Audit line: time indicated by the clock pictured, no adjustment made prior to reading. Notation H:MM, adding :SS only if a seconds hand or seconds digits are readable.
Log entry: 7:18
